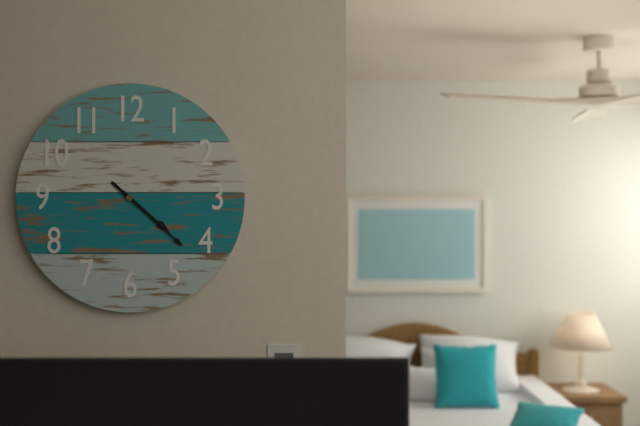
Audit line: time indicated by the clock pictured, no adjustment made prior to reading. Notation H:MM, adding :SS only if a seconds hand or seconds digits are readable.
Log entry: 4:22
